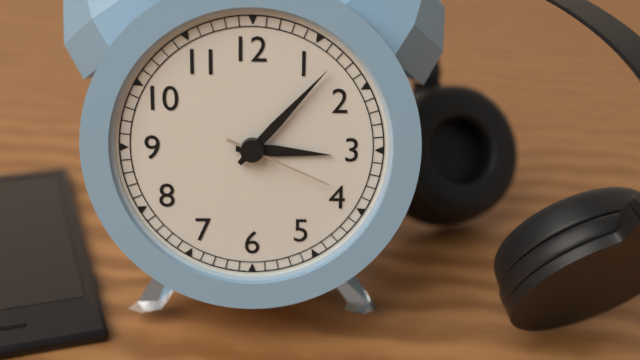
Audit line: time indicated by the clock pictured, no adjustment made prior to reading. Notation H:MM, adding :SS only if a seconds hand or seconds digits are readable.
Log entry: 3:07:19
